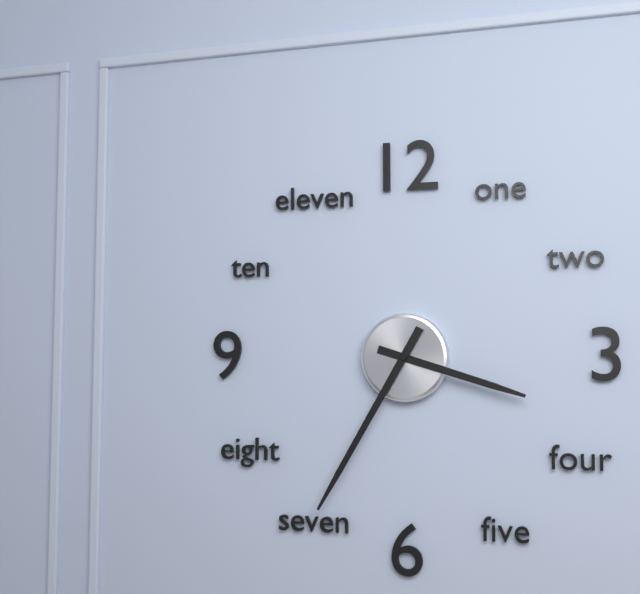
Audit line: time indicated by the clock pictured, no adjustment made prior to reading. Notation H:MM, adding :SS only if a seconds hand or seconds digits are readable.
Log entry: 3:35
